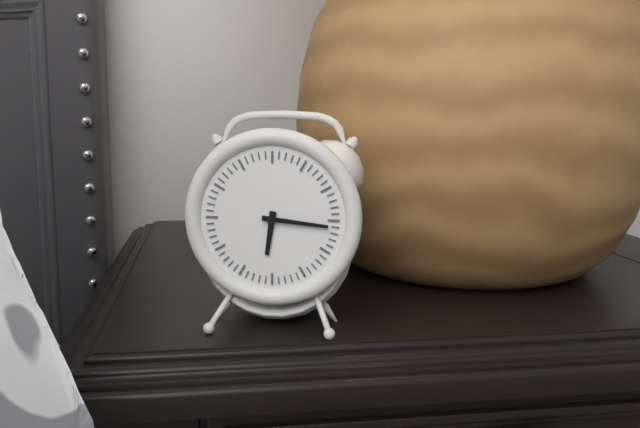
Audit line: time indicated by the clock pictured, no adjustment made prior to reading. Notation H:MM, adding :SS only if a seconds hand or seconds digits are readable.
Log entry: 6:16
